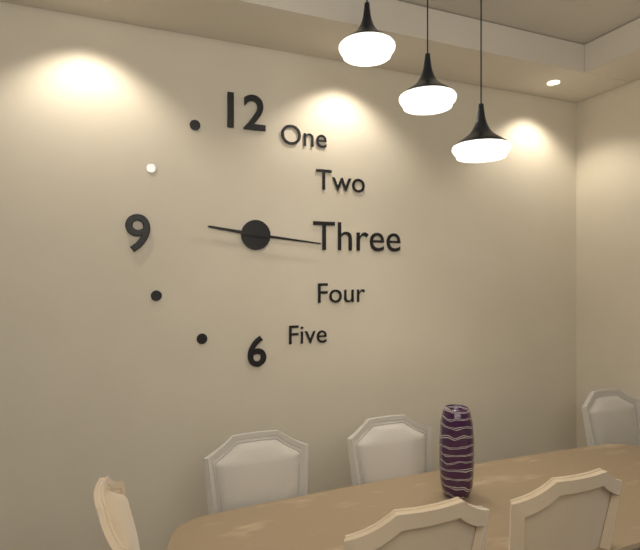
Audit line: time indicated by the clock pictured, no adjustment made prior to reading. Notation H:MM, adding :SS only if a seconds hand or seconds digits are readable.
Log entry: 9:16
